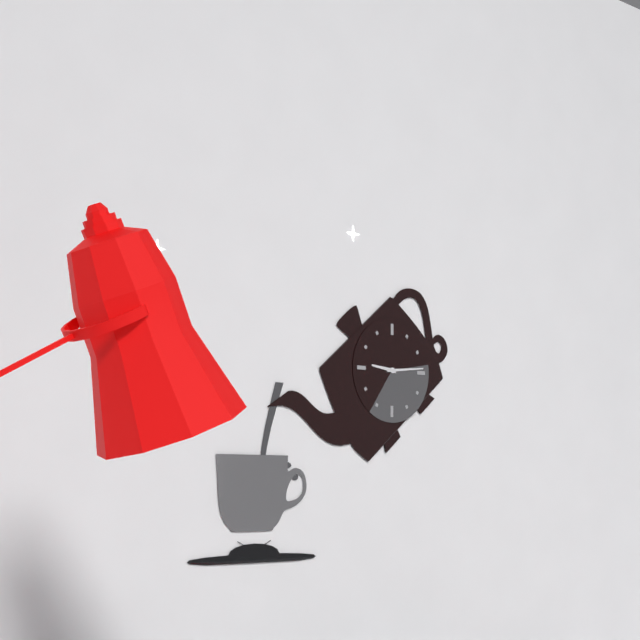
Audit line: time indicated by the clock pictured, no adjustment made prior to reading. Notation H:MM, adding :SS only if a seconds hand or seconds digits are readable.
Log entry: 9:14
